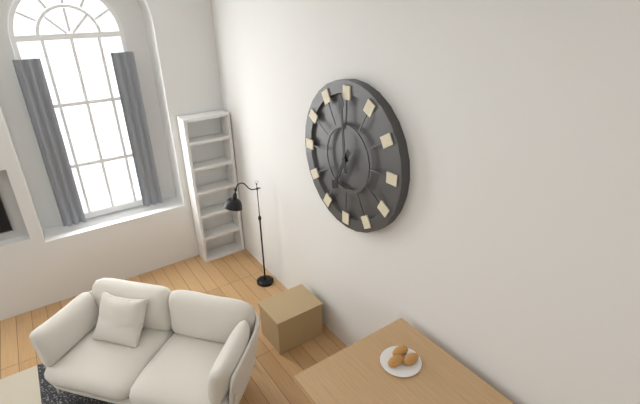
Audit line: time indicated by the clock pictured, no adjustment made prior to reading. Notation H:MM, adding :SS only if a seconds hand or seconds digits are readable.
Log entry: 6:59
